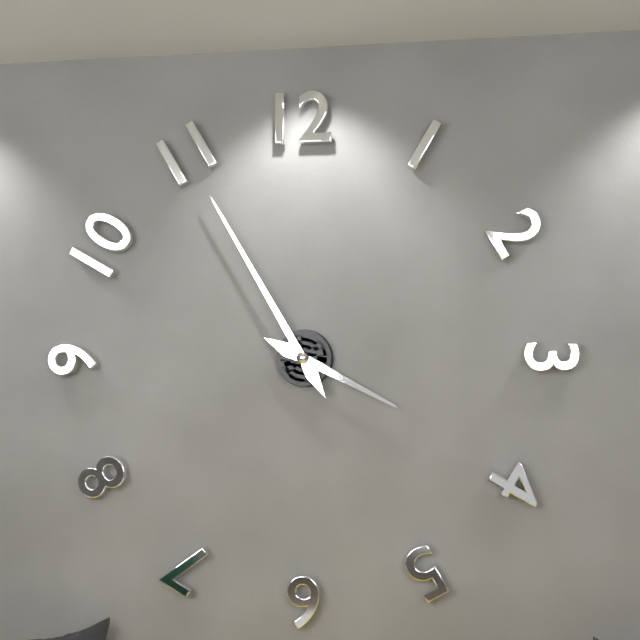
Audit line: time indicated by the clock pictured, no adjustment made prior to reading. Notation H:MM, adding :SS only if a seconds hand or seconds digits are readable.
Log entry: 3:55
